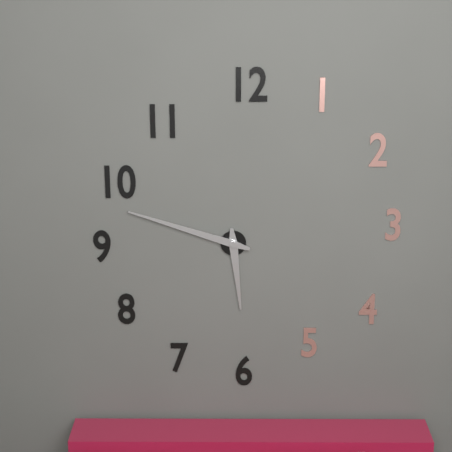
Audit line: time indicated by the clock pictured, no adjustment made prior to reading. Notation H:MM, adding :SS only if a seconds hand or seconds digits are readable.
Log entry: 5:48
